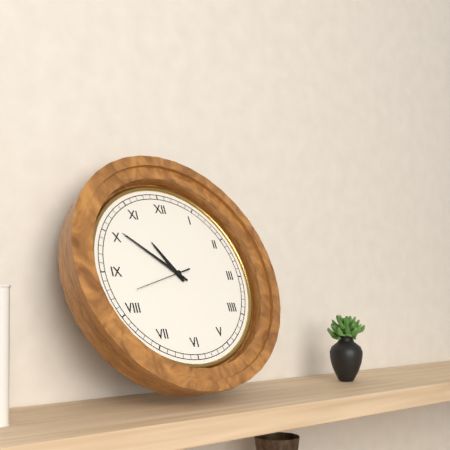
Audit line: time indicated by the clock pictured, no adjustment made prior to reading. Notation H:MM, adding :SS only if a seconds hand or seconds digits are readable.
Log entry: 10:51:42
